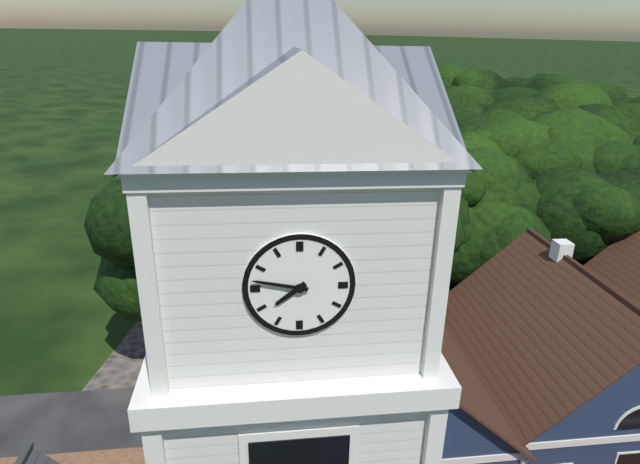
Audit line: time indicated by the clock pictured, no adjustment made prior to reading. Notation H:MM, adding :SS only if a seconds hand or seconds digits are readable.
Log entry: 7:47
